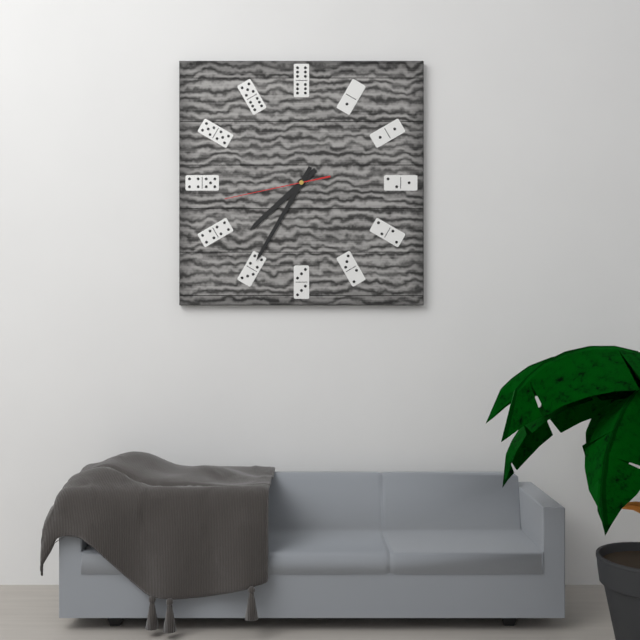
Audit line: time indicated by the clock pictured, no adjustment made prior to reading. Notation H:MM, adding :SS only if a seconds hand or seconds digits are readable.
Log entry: 7:35:43
